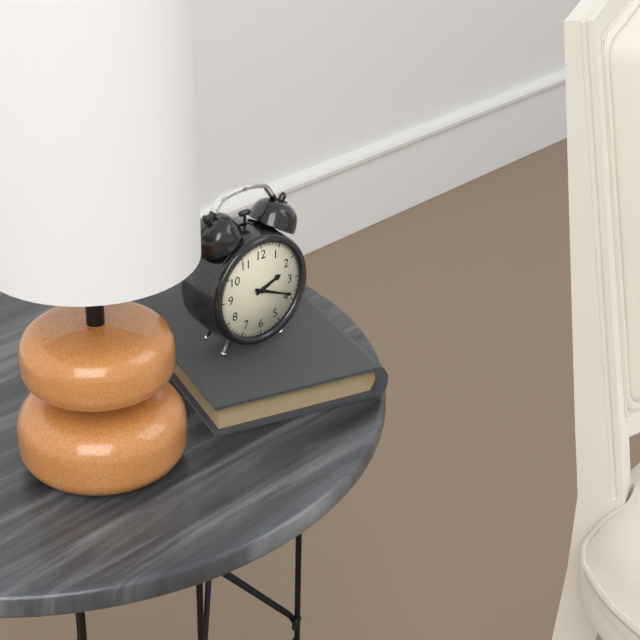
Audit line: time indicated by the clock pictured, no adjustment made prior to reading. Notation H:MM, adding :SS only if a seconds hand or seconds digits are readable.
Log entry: 2:19
